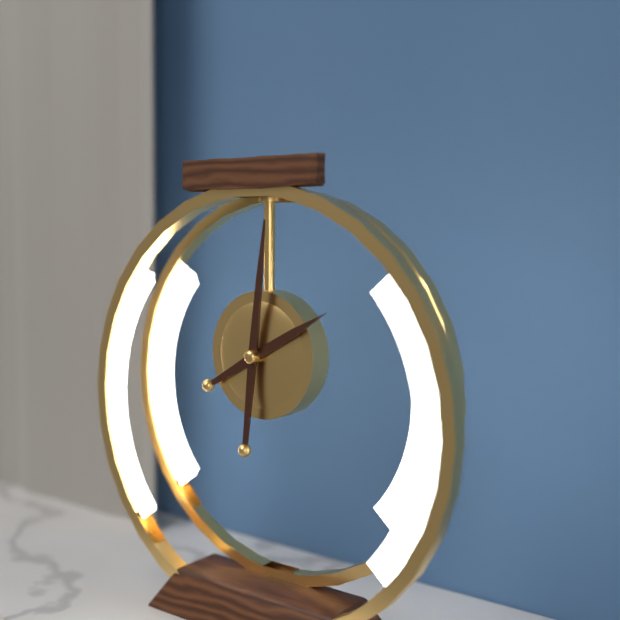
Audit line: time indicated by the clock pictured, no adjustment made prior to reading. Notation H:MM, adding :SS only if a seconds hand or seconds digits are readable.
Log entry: 2:01
